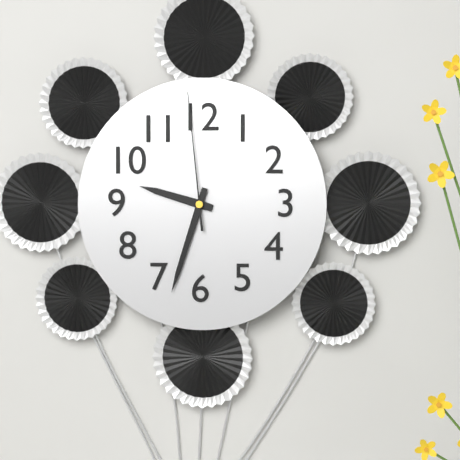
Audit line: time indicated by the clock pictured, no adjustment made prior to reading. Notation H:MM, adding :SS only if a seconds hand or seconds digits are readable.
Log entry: 9:33:59
